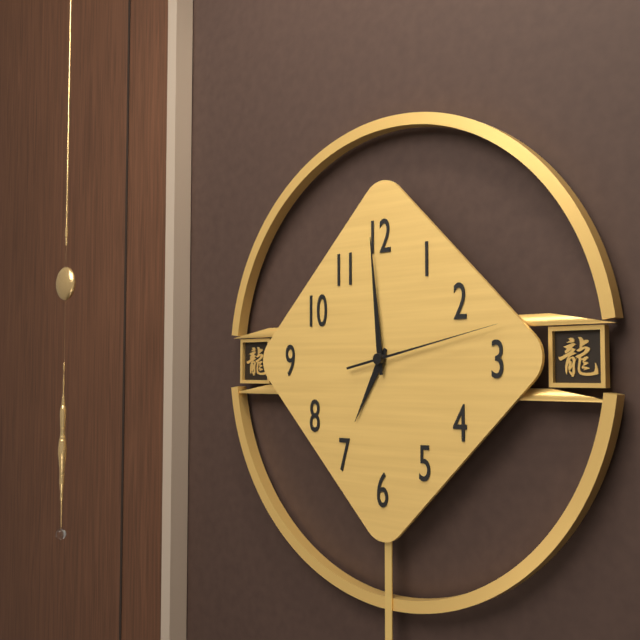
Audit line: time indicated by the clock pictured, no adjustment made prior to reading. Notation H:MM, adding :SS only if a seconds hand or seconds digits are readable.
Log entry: 6:59:13
